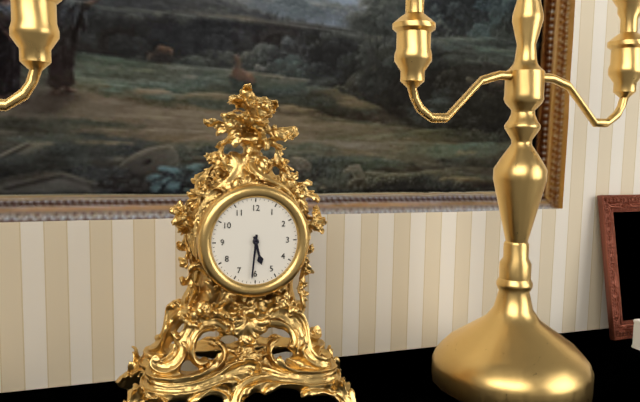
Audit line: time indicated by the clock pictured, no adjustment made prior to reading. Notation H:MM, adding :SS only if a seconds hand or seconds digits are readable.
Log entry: 5:31
